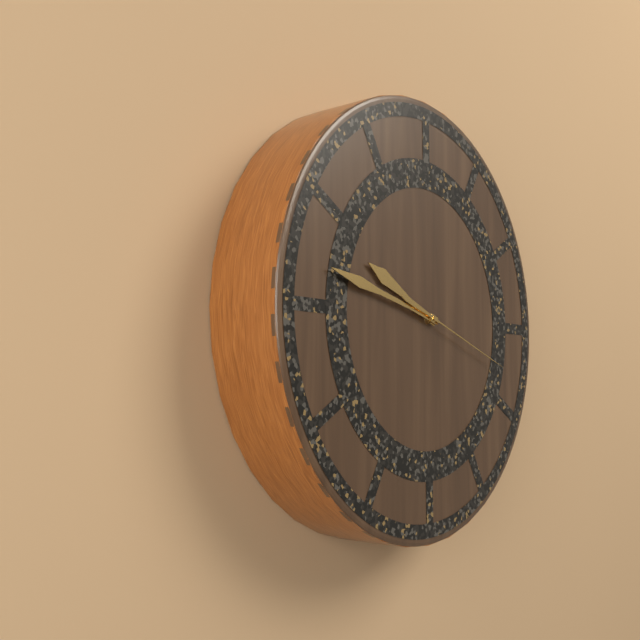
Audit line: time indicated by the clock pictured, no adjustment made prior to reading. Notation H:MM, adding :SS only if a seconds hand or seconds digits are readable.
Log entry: 9:47:18
